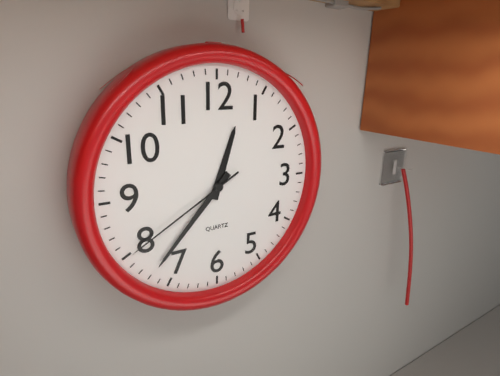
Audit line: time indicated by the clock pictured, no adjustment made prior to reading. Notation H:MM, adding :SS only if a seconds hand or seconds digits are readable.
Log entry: 12:37:40
